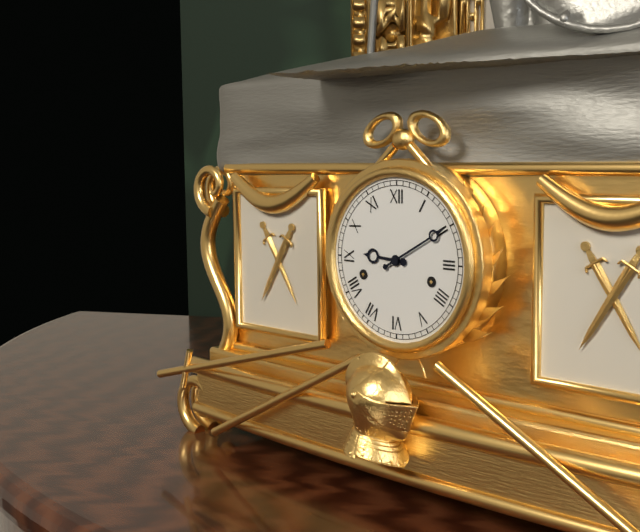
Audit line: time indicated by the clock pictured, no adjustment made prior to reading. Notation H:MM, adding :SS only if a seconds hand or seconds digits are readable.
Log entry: 9:10
